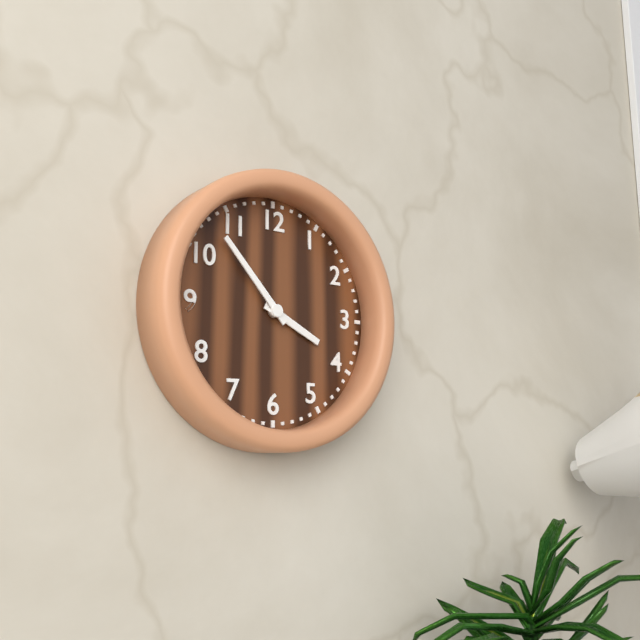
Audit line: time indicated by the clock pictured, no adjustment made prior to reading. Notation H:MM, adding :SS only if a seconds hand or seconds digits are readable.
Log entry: 3:53
